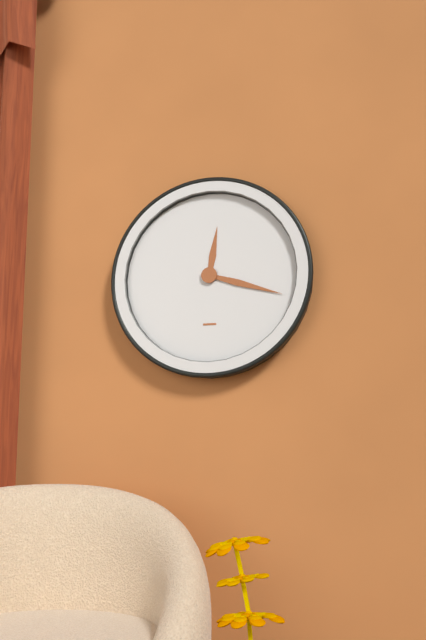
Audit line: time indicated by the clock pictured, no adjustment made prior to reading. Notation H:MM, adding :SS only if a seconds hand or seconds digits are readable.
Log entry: 12:18
